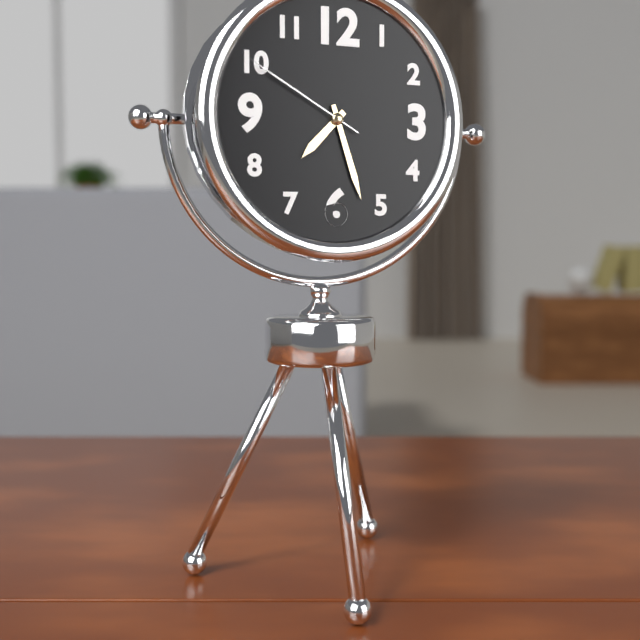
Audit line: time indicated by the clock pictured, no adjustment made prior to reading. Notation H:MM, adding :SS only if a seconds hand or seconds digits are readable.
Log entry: 7:27:50
